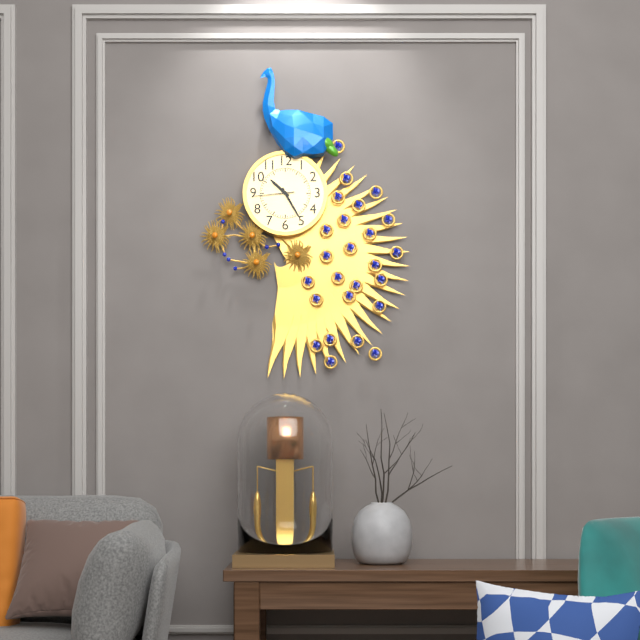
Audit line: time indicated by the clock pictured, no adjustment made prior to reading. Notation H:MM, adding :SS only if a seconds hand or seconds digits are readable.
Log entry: 10:25
